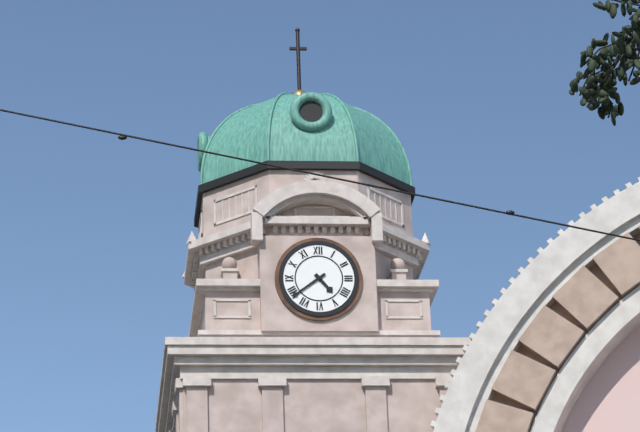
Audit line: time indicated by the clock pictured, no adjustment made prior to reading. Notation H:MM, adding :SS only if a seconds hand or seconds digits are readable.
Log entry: 4:39
